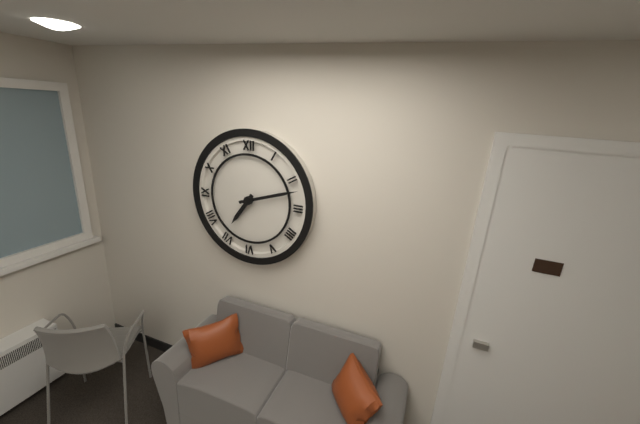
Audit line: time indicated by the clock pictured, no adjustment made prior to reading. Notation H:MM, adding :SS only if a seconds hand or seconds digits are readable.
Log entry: 7:12
